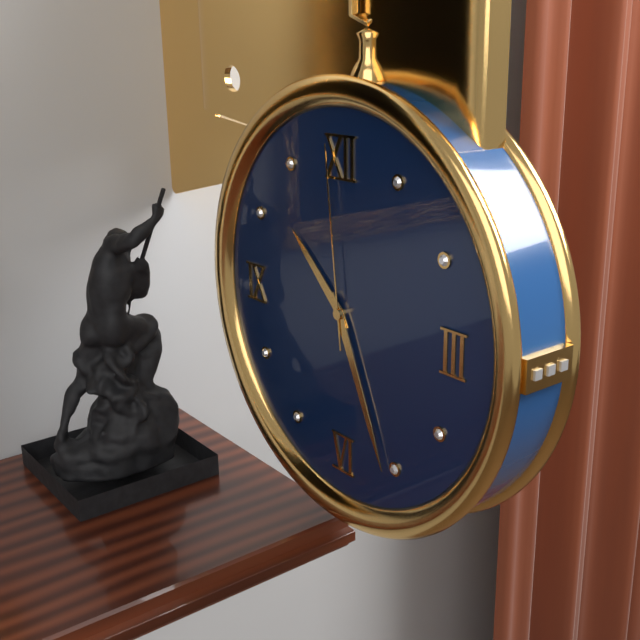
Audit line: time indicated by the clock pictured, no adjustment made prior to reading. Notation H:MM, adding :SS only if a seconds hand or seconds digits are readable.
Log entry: 10:26:59
